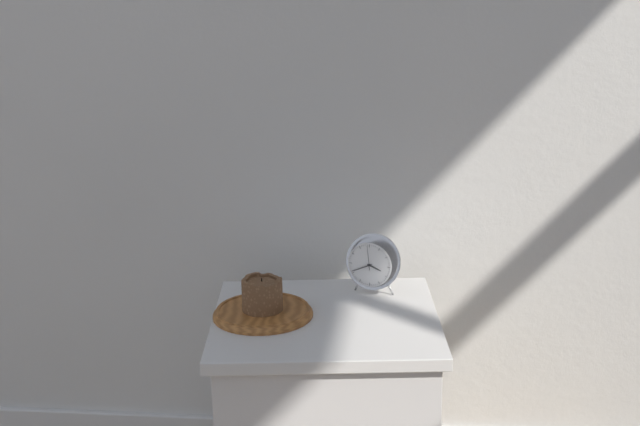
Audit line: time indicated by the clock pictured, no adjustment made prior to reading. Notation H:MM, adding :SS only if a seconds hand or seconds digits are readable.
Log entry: 3:41
